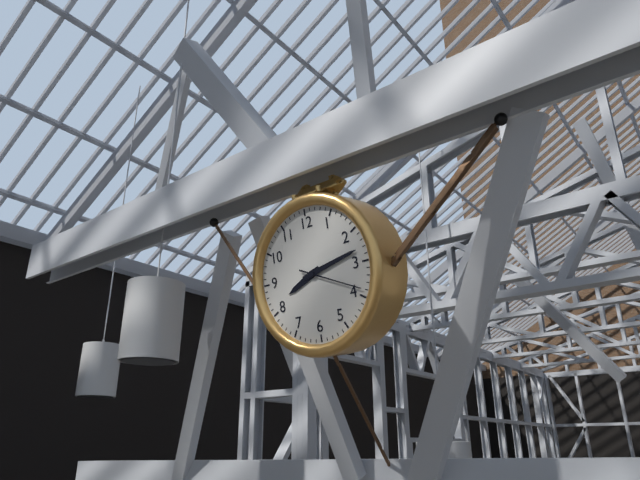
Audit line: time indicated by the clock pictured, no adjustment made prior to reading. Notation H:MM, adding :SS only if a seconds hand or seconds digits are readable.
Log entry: 8:13:19
